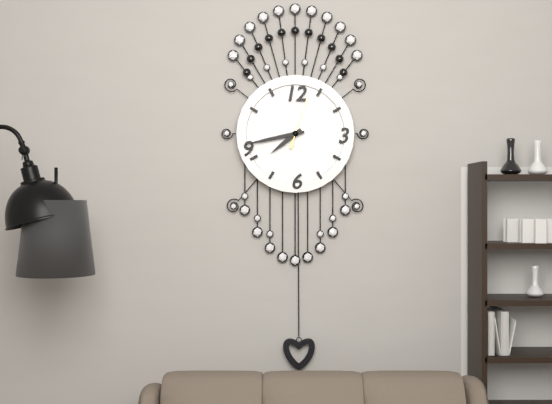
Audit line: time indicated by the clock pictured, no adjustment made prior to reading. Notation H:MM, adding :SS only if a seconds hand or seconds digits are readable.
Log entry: 7:43:03
